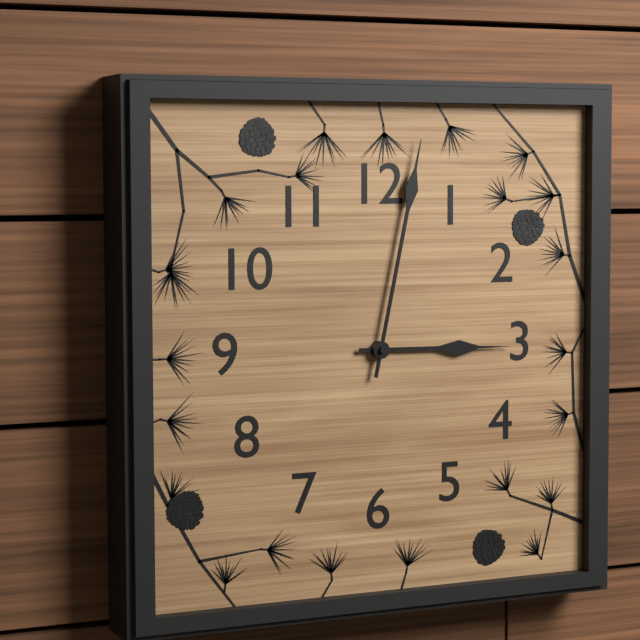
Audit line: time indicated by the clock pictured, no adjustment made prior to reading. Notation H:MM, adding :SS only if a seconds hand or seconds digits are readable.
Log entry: 3:02
